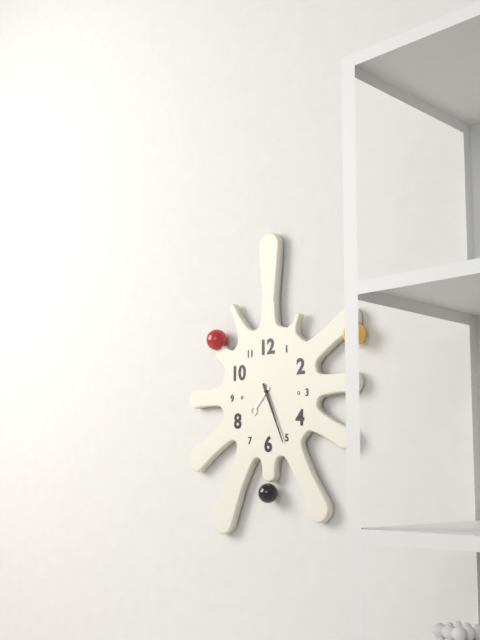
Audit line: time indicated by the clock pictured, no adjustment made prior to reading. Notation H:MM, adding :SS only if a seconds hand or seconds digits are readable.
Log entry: 7:26
